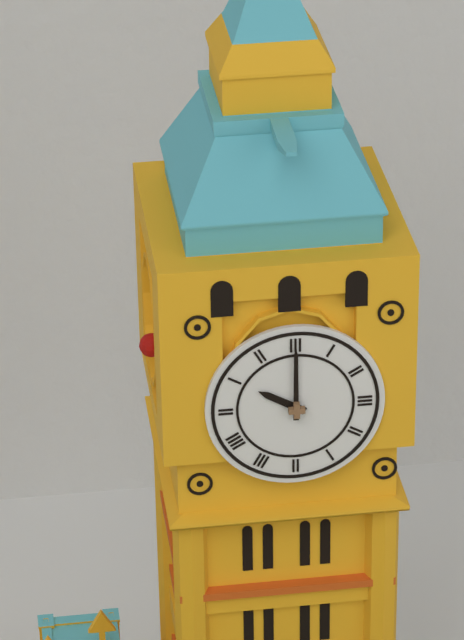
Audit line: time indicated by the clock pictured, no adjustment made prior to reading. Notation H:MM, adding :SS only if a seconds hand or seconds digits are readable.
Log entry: 10:00
